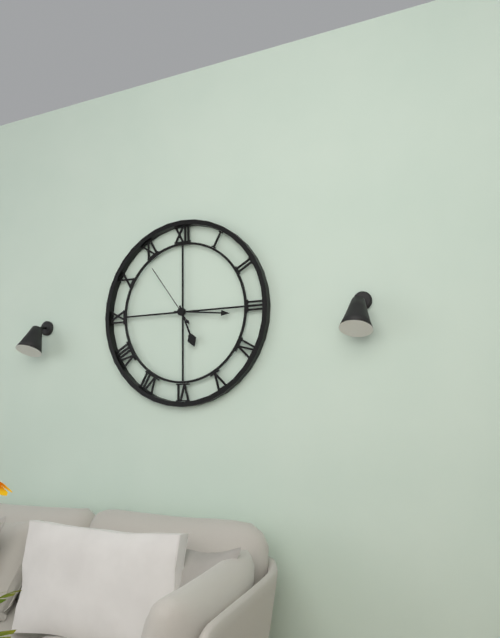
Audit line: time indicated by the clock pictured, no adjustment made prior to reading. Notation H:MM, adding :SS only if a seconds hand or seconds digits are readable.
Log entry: 5:16:54
